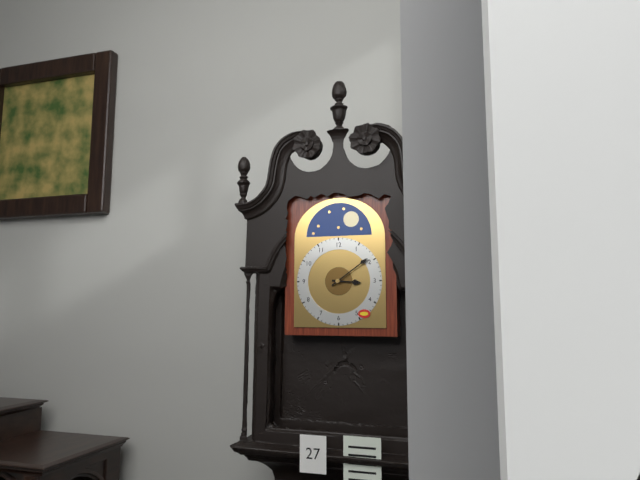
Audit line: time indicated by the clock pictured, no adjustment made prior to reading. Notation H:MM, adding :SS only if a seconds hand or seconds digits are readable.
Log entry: 3:09
